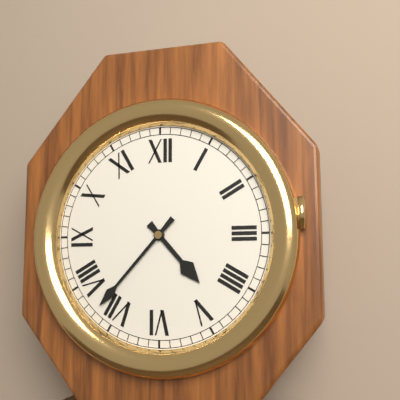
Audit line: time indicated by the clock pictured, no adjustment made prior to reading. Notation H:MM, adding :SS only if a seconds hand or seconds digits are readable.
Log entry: 4:37
